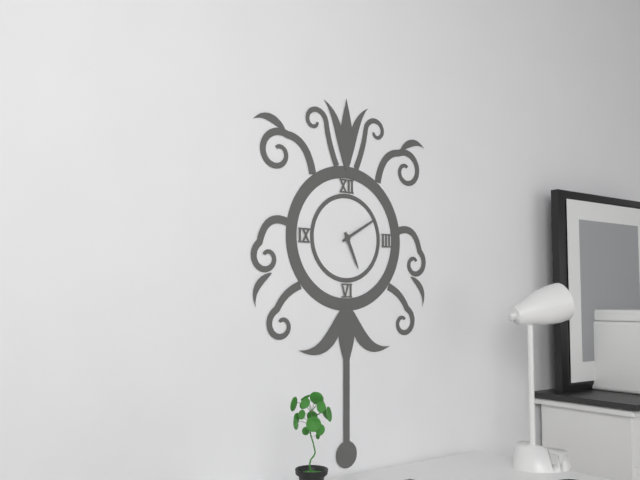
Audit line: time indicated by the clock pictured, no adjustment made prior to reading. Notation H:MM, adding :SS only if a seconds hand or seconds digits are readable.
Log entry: 5:10
